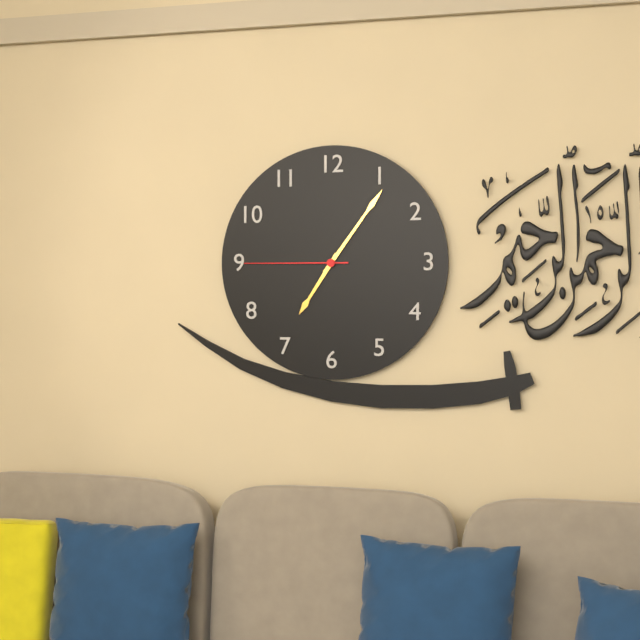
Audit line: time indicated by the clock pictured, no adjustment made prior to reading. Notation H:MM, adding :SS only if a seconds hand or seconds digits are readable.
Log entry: 7:06:45
